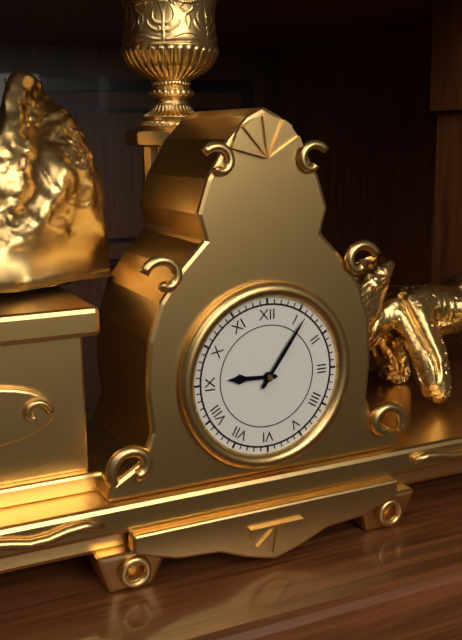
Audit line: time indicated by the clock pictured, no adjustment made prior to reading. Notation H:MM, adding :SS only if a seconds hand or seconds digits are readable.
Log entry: 9:06
